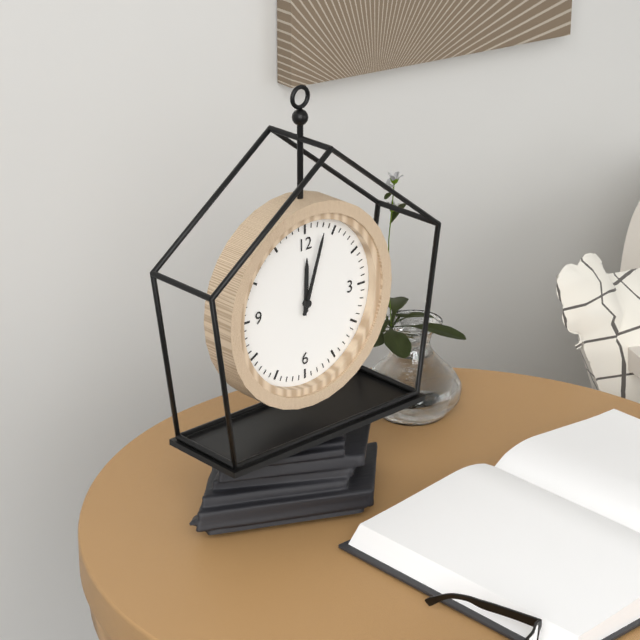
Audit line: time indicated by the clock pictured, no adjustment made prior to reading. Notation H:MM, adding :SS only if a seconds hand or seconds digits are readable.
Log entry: 12:03
